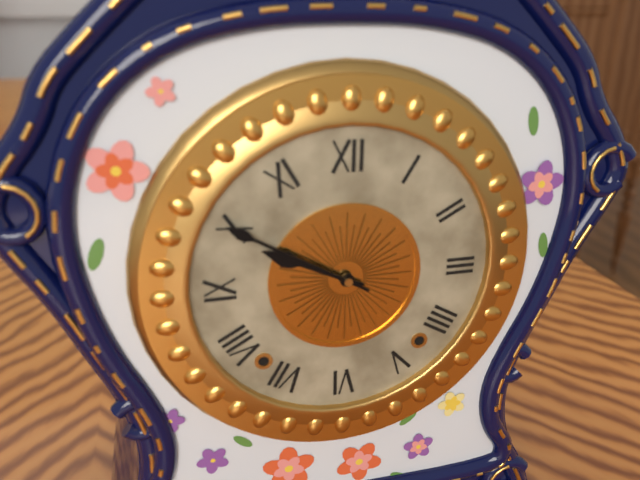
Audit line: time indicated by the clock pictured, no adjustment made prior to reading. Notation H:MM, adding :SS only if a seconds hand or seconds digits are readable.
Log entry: 9:50
